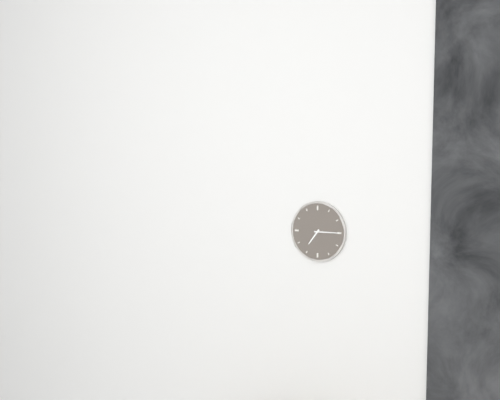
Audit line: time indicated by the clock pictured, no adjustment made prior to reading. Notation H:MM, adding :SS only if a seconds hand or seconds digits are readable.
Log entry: 7:15
